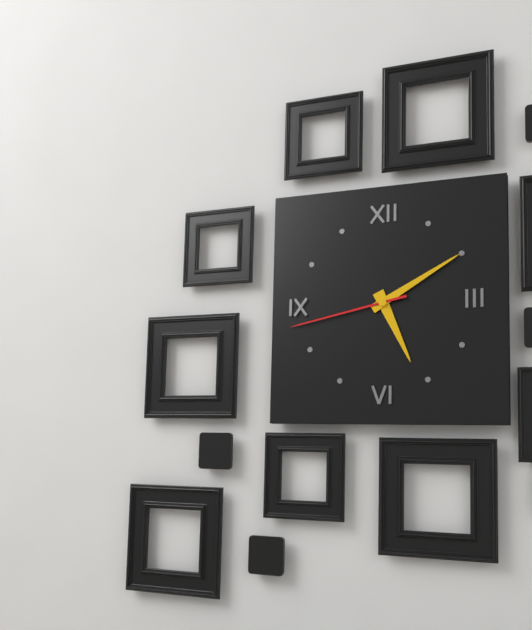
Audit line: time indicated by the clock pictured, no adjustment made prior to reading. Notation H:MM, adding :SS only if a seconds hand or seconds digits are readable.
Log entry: 5:10:43
